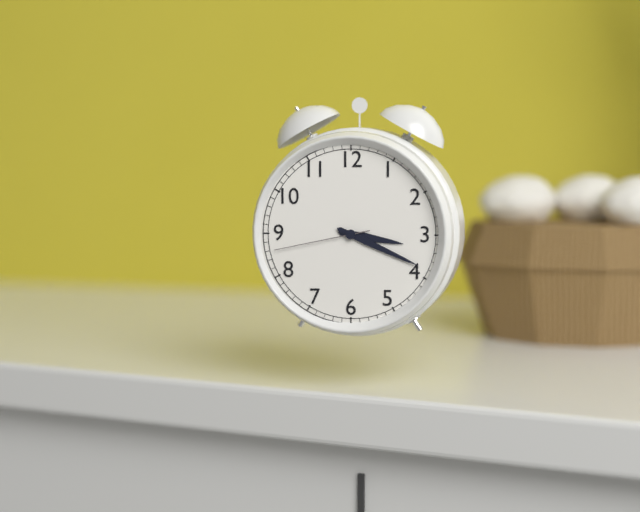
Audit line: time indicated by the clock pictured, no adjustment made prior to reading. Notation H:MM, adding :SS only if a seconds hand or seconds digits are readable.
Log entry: 3:19:43
